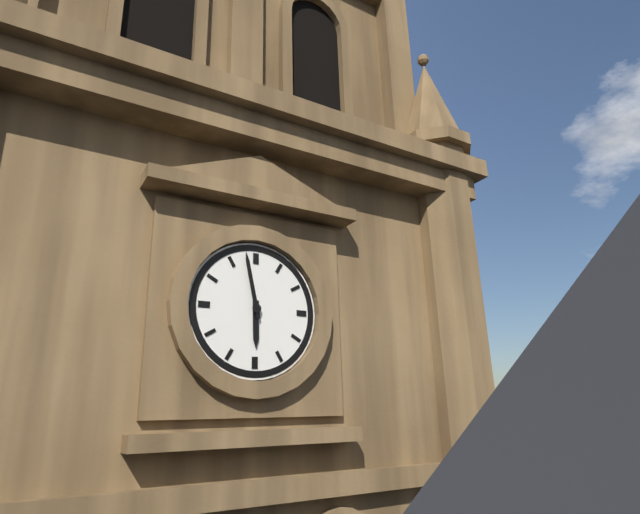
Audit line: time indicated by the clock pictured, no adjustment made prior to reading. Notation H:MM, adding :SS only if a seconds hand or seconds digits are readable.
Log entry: 5:58
